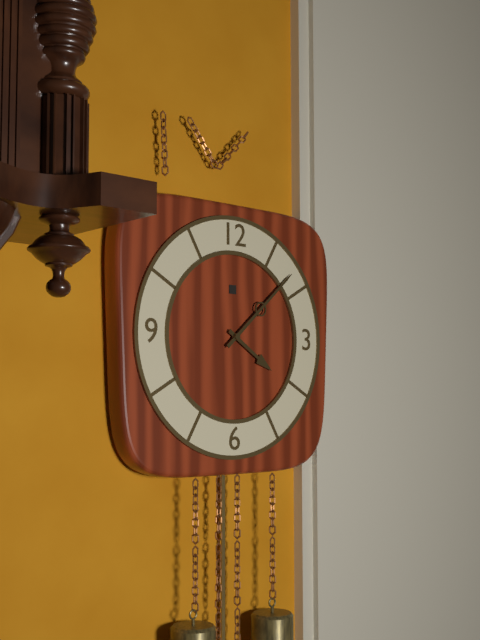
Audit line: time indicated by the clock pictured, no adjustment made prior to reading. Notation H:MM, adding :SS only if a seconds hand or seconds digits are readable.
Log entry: 4:08
